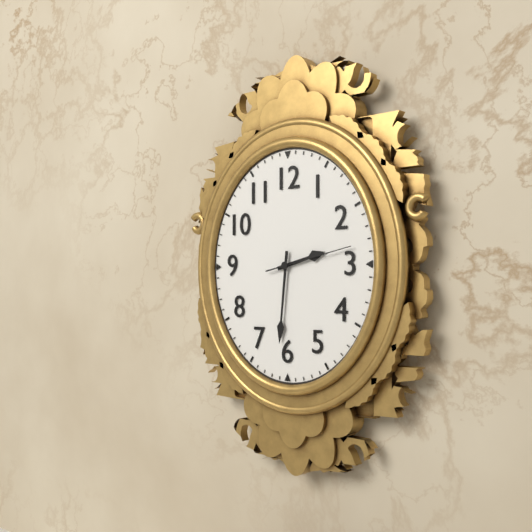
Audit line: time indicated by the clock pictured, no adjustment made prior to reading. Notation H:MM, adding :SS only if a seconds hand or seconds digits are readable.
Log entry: 2:31:13
